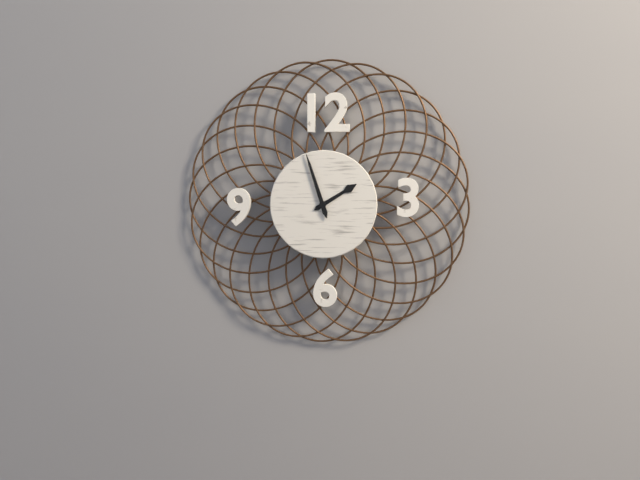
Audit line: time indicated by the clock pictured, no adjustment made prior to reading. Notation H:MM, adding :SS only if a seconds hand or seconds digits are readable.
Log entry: 1:57
